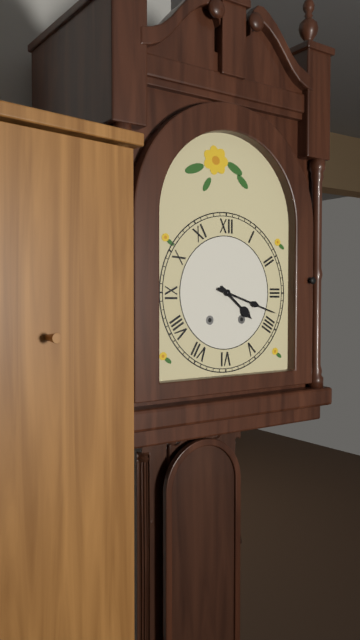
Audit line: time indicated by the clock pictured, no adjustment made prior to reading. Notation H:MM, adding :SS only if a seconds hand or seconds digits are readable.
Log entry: 4:18
